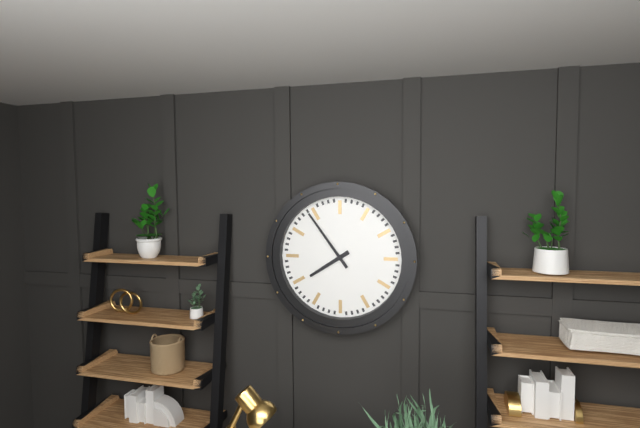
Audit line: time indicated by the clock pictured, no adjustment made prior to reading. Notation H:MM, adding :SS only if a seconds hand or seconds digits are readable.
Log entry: 7:54
